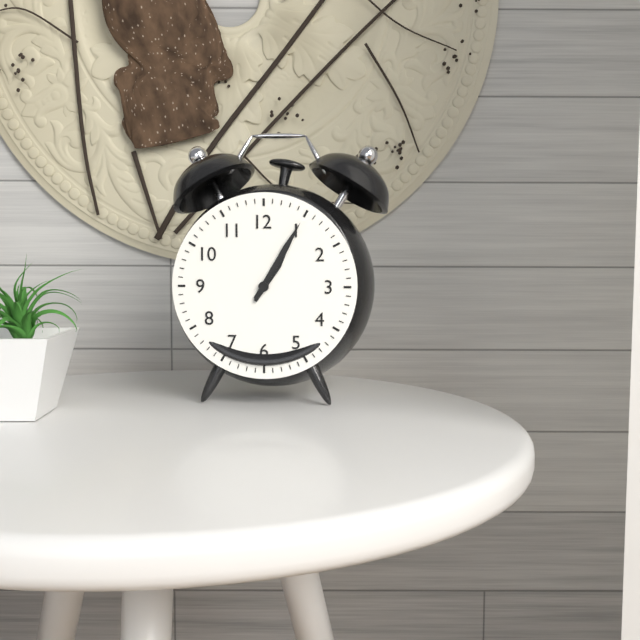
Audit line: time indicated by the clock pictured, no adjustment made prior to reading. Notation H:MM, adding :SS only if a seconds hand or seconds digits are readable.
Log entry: 1:05
